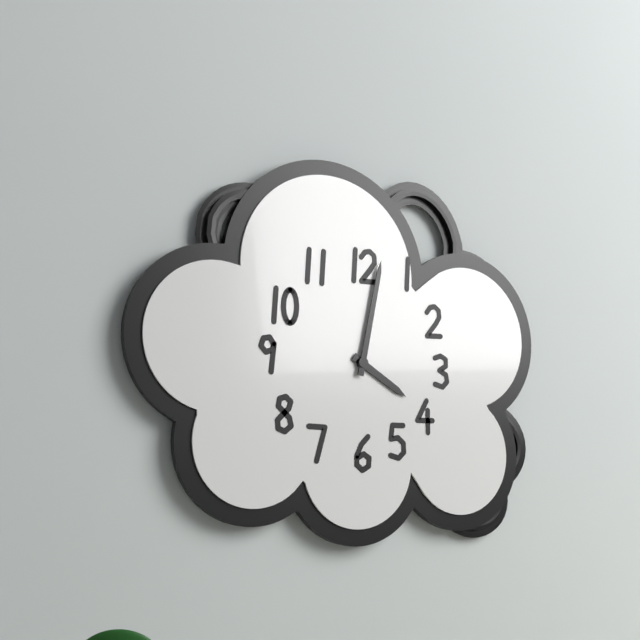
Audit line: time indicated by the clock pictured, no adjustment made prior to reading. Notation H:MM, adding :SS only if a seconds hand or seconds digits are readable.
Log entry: 4:02
